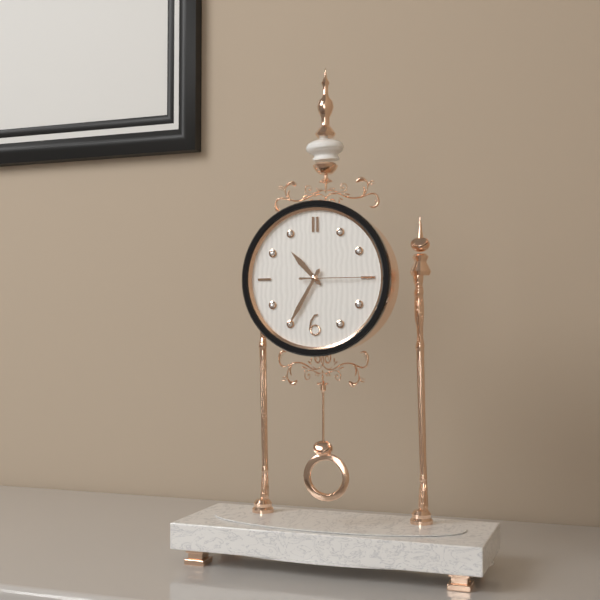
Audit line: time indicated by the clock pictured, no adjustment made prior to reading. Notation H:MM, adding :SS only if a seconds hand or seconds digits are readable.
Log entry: 10:35:15
